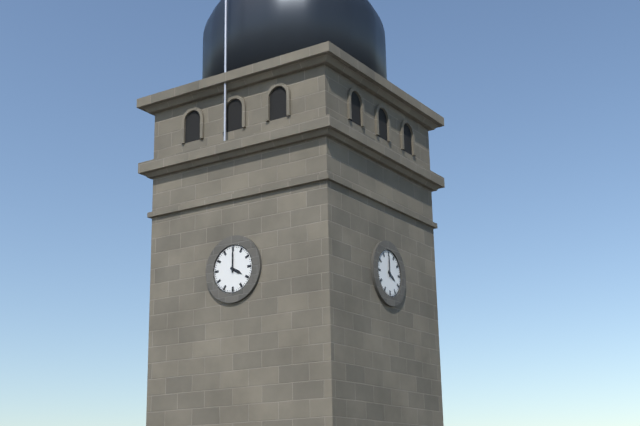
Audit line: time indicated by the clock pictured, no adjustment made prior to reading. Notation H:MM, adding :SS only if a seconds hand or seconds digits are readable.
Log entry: 4:00
